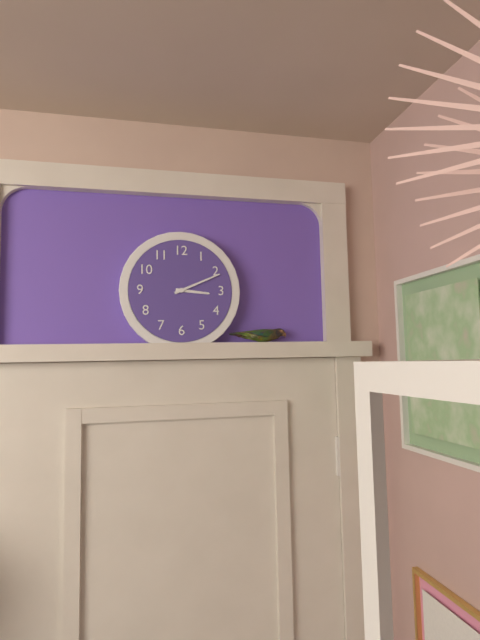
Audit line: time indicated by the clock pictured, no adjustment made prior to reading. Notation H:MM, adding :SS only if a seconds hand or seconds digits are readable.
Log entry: 3:11
